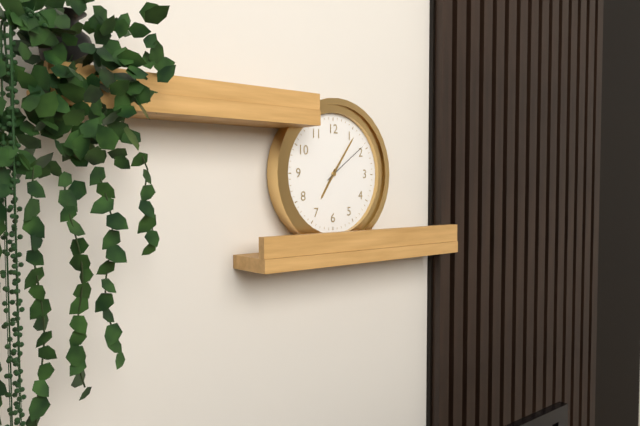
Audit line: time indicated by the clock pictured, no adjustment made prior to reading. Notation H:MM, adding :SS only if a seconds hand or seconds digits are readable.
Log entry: 7:06:09
